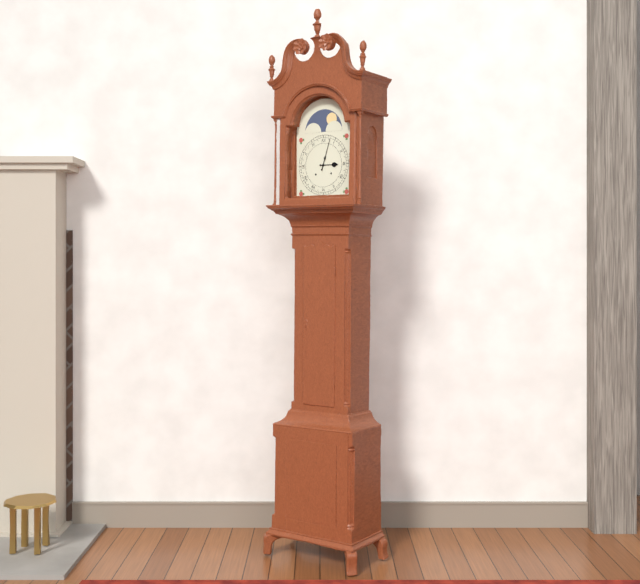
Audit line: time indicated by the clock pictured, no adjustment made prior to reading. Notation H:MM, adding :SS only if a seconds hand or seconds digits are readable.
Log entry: 3:03
